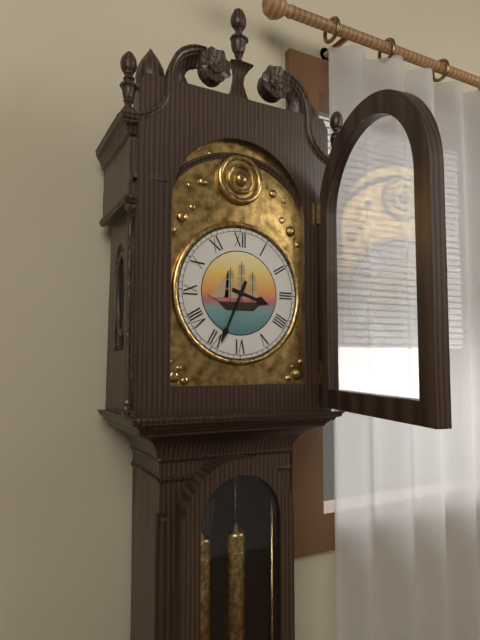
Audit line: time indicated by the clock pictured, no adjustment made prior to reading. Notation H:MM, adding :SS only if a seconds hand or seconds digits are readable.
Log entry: 3:34
